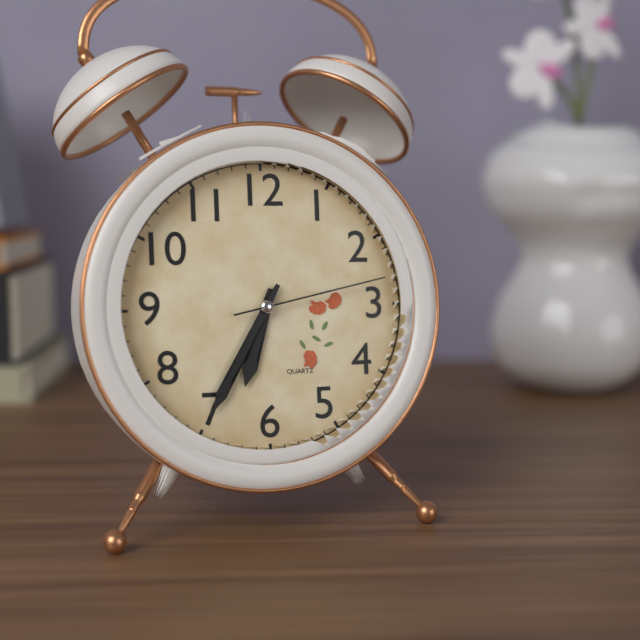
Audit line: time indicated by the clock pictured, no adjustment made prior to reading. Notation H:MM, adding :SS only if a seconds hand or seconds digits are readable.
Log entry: 6:35:13
